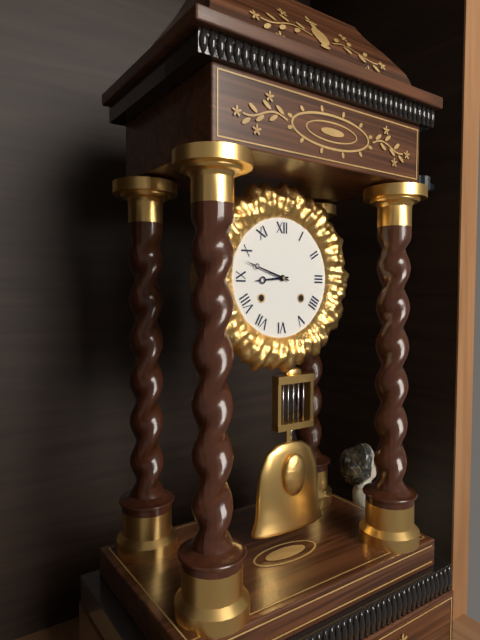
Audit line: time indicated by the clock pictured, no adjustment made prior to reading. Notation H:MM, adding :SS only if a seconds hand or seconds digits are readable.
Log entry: 8:48
